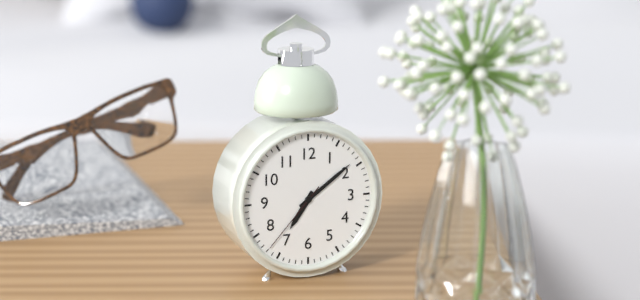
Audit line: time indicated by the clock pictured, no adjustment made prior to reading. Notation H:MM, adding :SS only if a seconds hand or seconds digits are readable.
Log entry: 7:09:37
